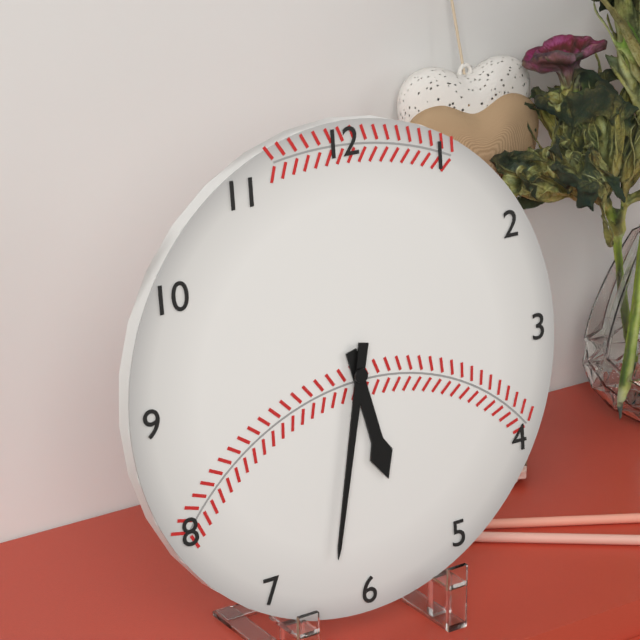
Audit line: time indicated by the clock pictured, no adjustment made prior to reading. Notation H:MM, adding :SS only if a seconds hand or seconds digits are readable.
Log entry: 5:32
